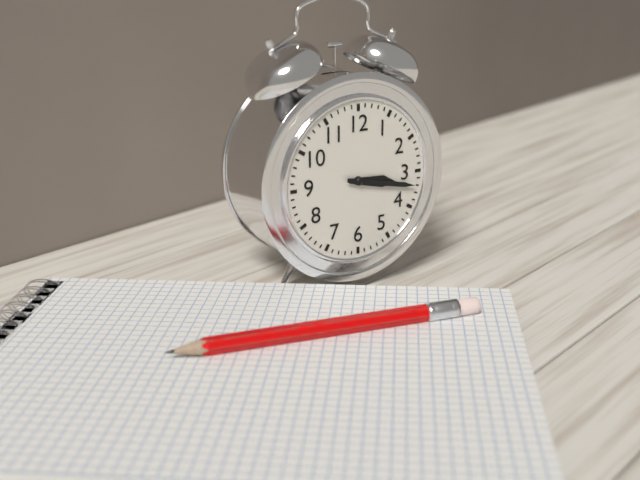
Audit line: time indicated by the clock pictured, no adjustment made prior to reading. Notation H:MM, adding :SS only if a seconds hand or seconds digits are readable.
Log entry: 3:17
